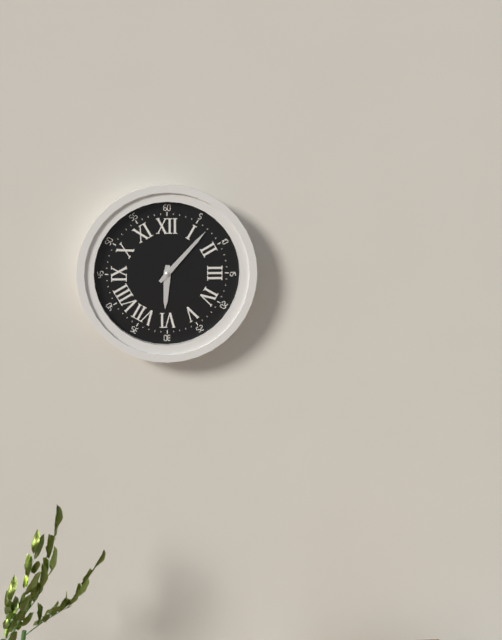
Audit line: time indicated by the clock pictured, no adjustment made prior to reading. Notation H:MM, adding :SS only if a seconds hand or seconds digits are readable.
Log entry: 6:07
